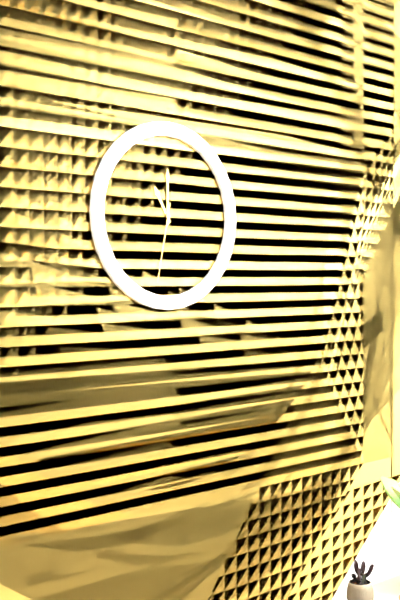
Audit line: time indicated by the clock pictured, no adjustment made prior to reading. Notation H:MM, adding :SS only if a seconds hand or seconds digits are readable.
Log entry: 11:00:32
